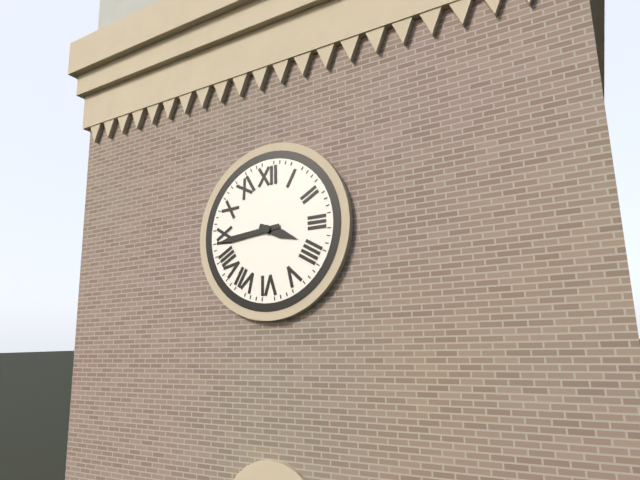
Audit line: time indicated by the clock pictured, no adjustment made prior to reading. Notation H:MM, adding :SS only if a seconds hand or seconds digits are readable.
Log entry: 3:44
